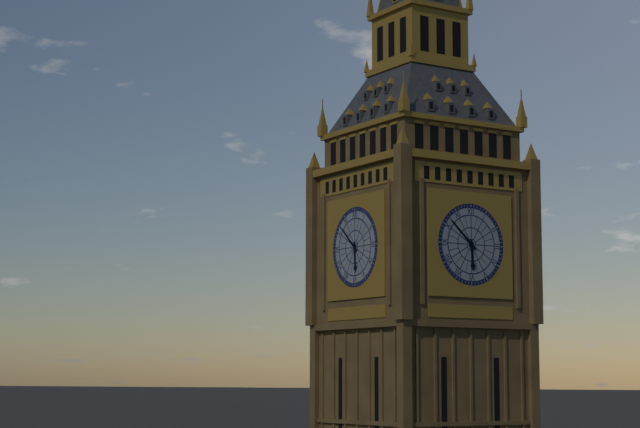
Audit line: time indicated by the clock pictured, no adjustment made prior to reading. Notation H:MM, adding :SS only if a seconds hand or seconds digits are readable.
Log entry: 5:52
